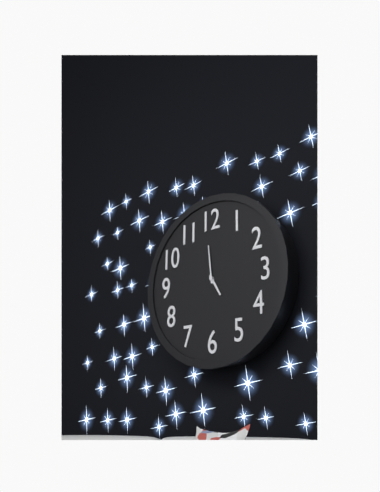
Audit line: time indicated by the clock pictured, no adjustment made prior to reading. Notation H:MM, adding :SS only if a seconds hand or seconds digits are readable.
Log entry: 4:59
